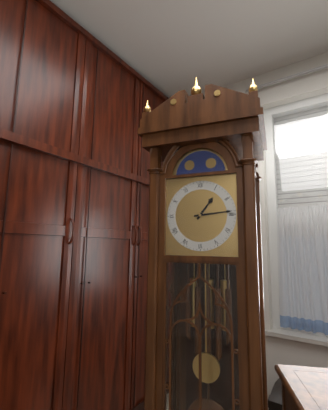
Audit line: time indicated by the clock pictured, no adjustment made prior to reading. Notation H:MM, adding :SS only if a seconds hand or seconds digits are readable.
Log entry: 1:14
